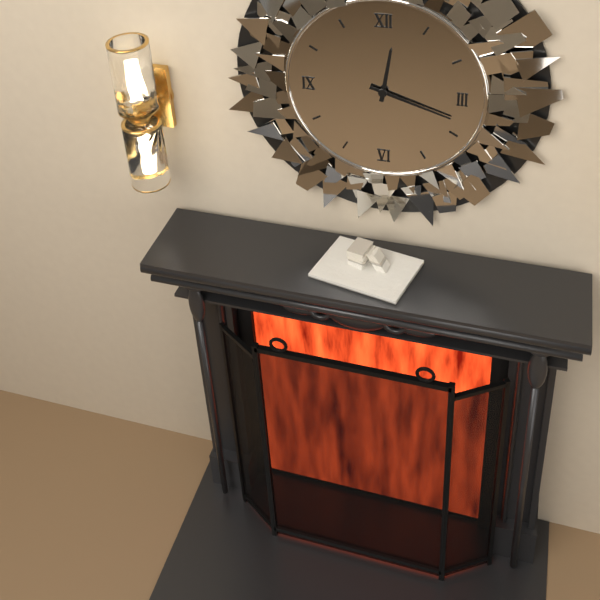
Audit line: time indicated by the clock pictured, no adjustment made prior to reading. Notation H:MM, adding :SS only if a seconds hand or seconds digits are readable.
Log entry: 12:18
